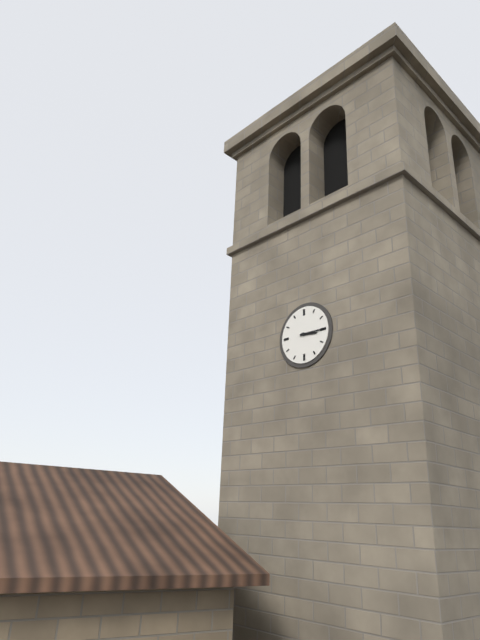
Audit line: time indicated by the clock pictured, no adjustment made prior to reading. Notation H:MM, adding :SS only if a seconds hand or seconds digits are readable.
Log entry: 3:15
